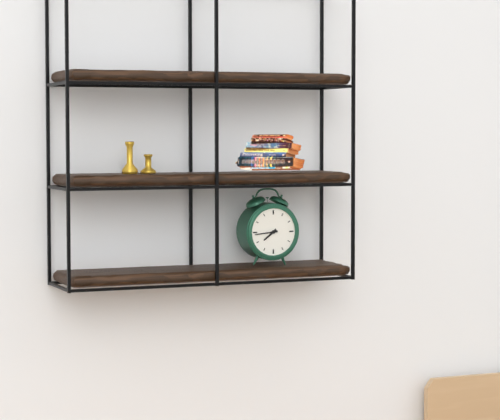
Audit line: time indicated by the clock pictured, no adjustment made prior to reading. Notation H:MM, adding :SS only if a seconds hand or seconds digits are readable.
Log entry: 7:44
